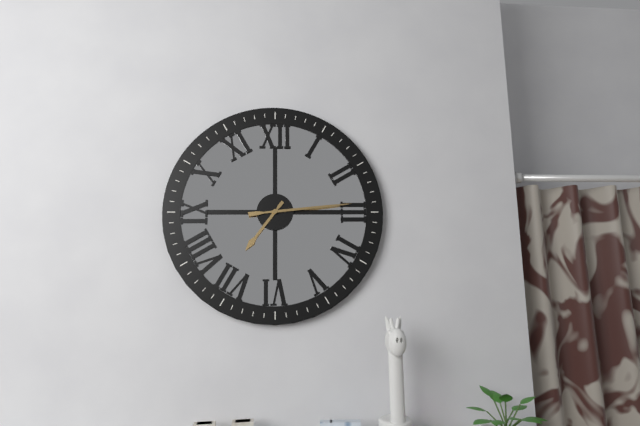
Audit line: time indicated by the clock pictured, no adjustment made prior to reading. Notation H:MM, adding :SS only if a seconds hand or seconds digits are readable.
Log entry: 7:14
